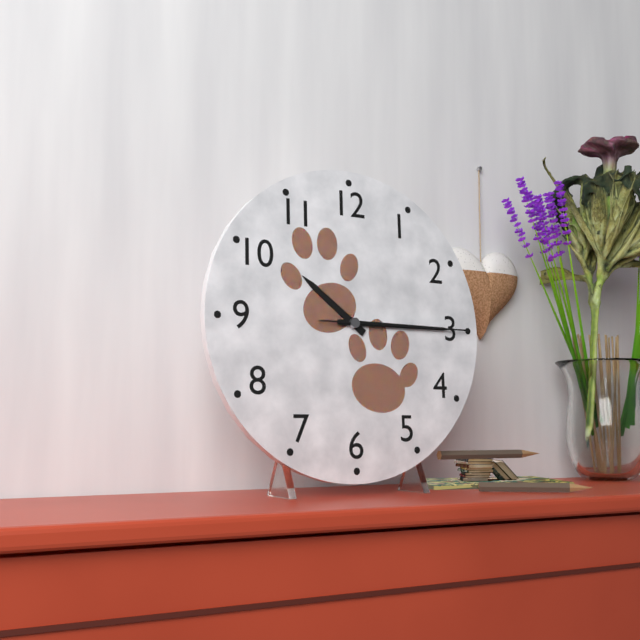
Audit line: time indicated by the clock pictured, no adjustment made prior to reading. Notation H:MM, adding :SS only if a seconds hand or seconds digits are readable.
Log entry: 10:15:15
